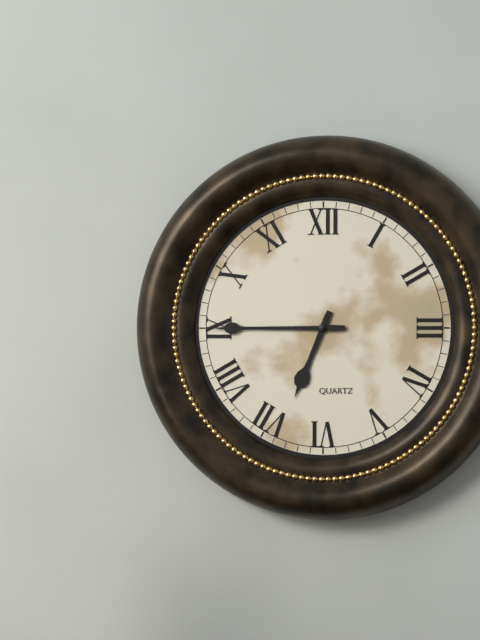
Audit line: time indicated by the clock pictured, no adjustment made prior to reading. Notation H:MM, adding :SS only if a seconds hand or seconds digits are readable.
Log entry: 6:45
